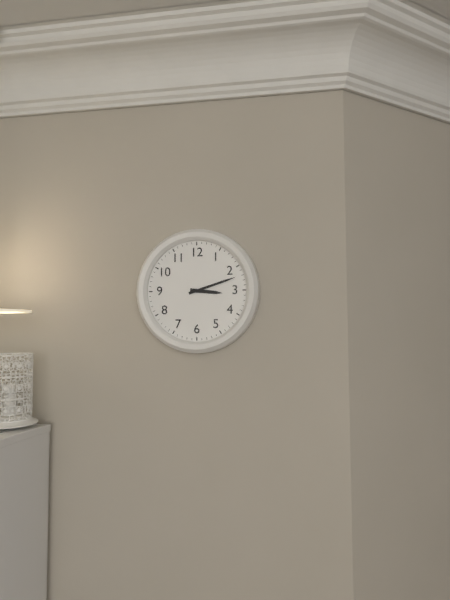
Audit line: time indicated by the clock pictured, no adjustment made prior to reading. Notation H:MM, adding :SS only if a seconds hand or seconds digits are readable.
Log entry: 3:12
